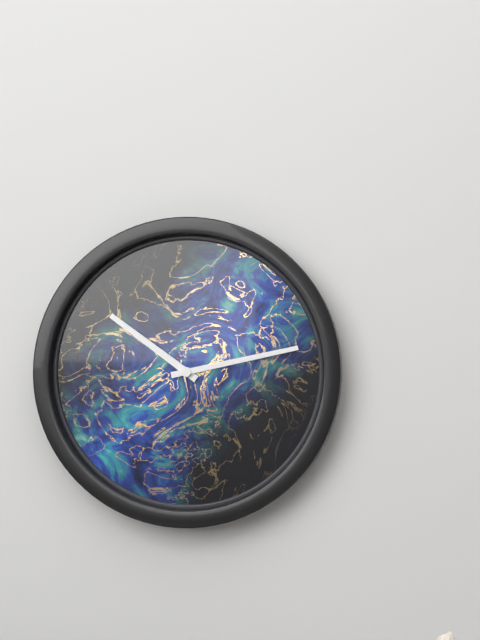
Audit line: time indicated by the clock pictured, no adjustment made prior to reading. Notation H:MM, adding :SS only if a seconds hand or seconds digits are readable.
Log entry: 10:13
